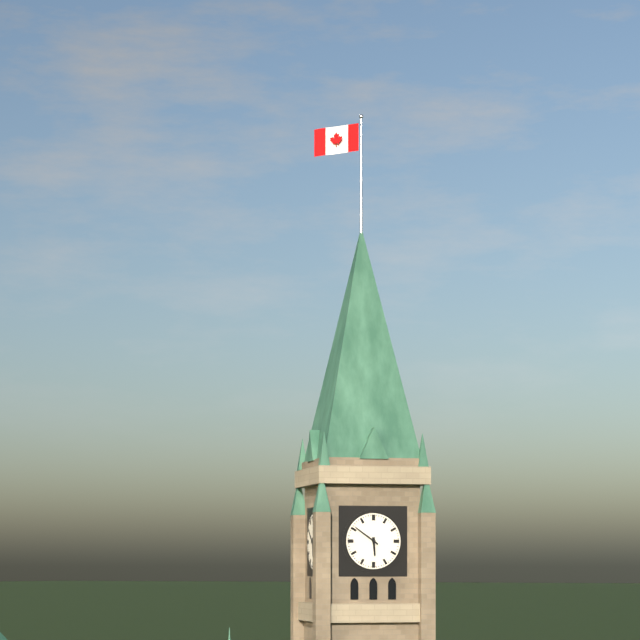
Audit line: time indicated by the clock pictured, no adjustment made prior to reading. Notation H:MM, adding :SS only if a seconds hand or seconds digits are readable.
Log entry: 5:51
